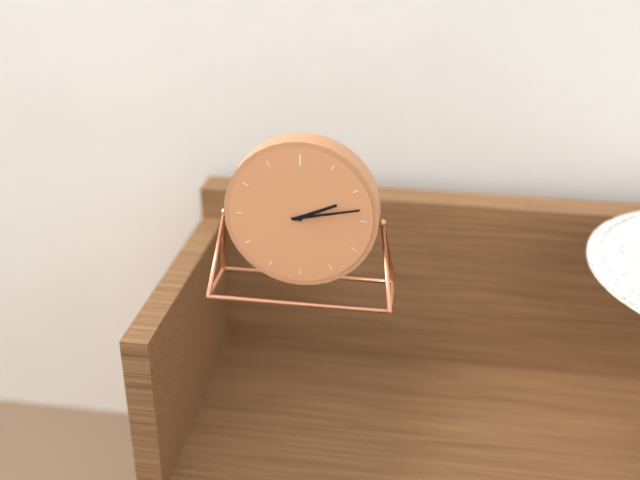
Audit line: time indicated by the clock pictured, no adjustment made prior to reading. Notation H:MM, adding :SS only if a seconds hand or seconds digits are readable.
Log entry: 2:13
